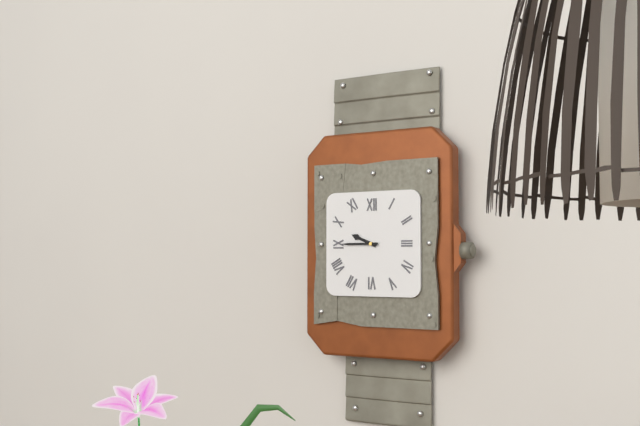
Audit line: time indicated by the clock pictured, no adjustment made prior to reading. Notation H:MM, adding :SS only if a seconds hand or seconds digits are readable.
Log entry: 9:45
